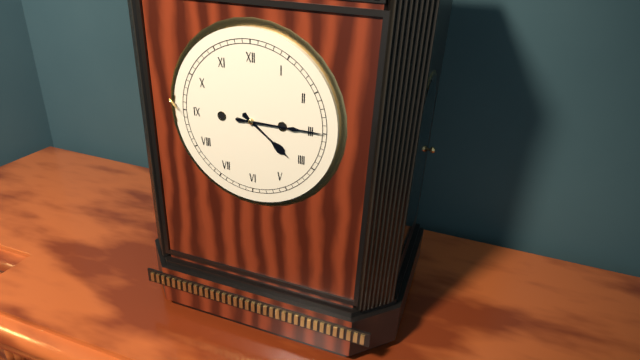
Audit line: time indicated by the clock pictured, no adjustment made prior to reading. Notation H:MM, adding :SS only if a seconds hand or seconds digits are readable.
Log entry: 4:15
